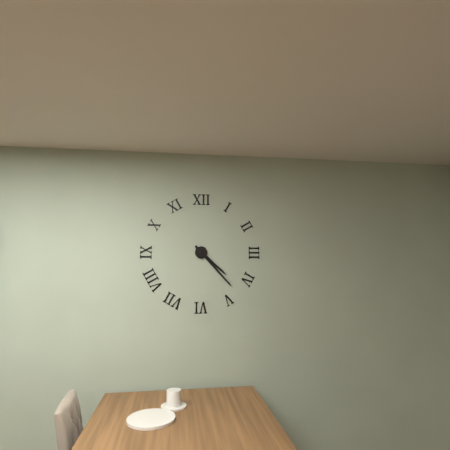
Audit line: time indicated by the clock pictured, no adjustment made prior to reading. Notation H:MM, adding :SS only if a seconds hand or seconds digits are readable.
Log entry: 4:23
